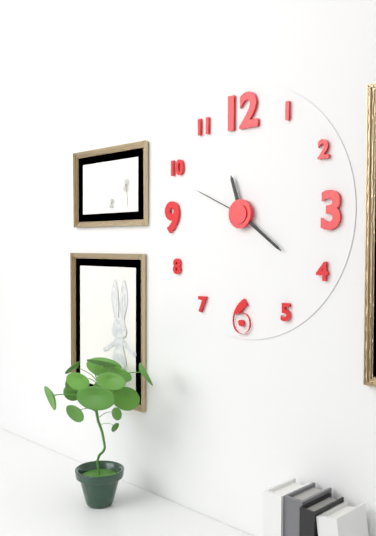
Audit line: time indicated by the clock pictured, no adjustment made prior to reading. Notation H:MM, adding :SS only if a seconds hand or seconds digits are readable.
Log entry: 11:21:49
